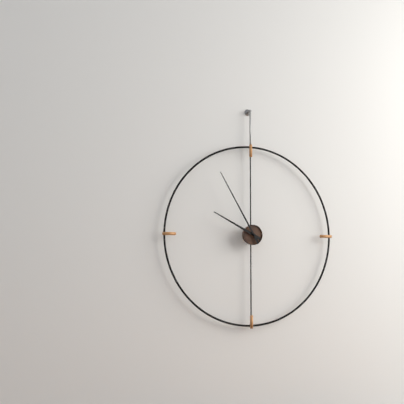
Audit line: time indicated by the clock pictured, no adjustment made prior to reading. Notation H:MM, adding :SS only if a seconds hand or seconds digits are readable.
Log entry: 9:55
